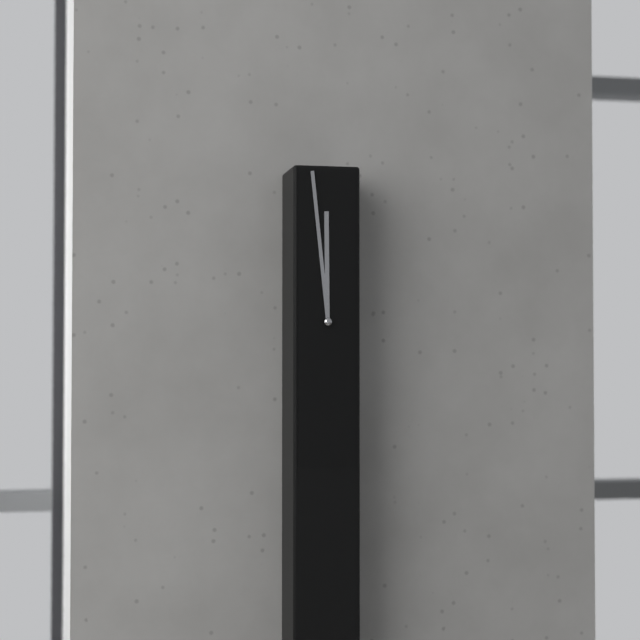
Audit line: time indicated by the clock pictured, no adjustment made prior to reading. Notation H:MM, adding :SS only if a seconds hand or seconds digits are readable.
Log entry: 11:59
